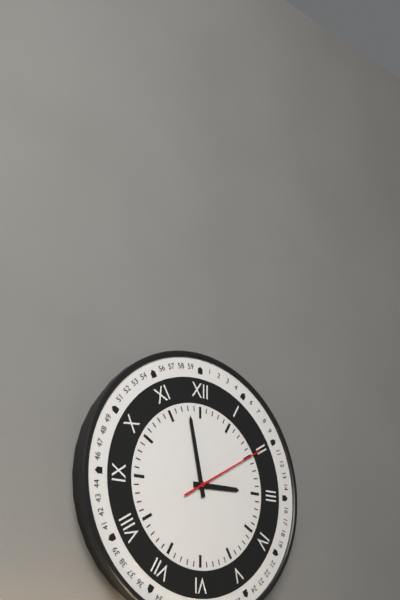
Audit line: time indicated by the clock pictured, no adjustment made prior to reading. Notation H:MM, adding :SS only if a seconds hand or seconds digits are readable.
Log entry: 2:58:10
